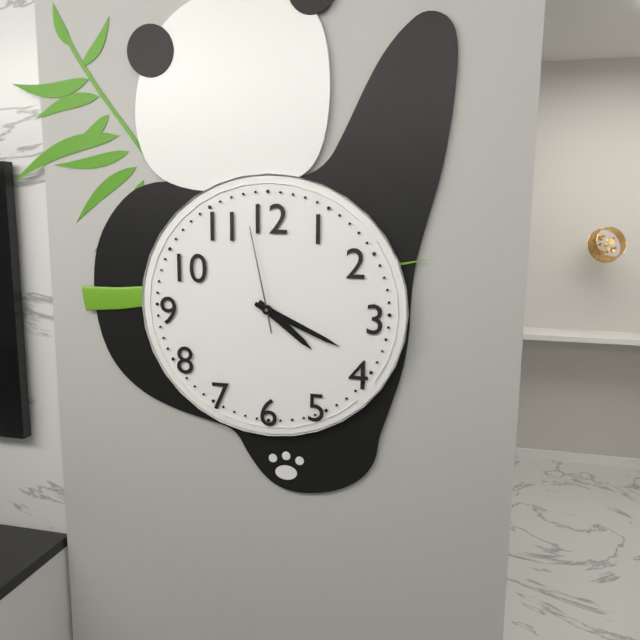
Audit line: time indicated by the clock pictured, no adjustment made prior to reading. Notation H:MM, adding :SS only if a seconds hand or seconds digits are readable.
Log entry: 4:19:58
